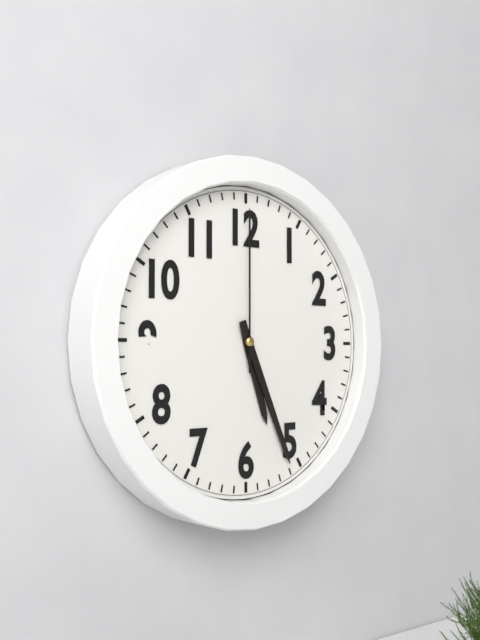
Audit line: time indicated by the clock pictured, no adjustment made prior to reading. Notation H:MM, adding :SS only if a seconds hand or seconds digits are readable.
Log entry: 5:26:00
